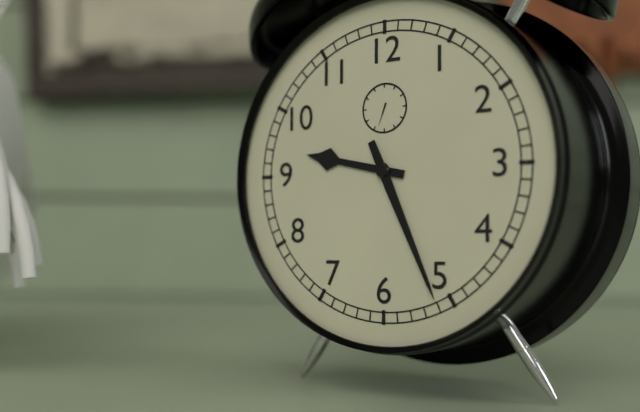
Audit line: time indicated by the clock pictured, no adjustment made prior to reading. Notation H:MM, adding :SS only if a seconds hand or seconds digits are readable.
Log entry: 9:26
